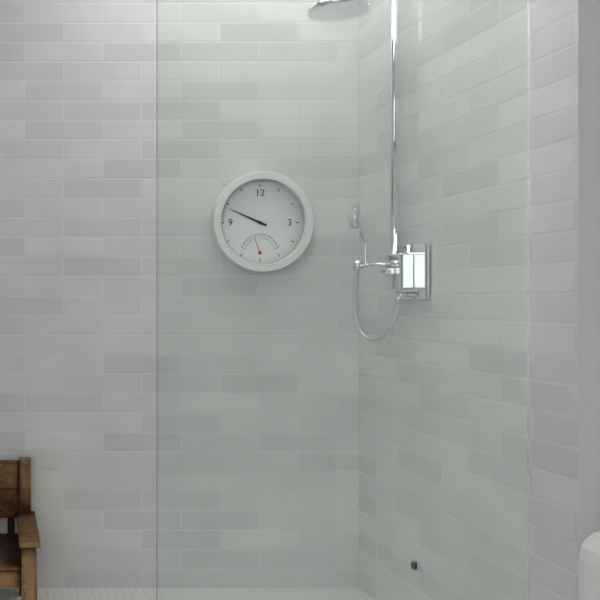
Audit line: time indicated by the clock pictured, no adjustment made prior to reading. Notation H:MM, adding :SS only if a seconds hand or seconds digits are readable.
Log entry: 9:49
